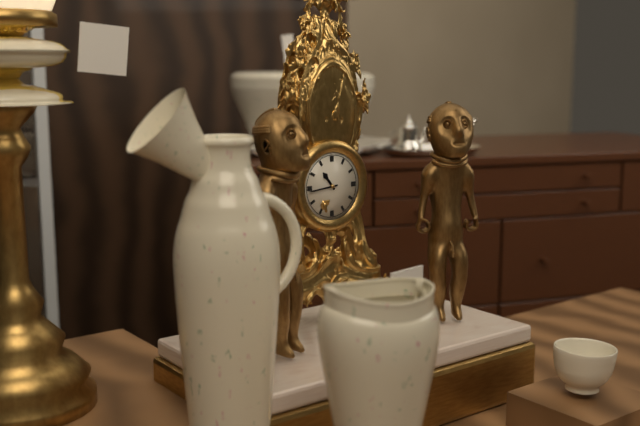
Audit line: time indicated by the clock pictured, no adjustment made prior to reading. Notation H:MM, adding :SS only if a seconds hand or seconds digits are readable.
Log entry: 10:44
